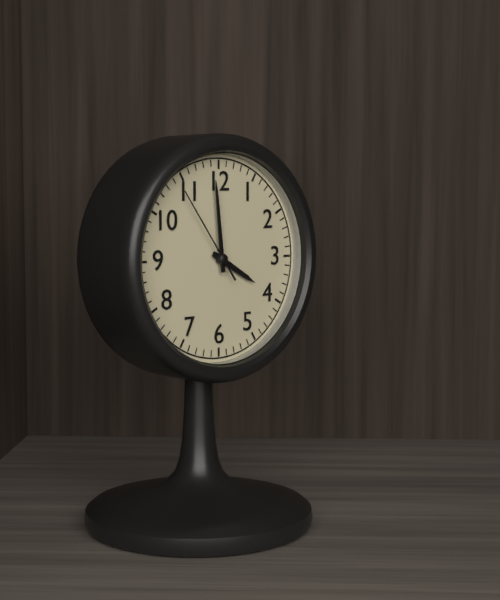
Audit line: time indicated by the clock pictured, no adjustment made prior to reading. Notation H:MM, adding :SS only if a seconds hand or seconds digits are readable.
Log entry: 3:59:54
